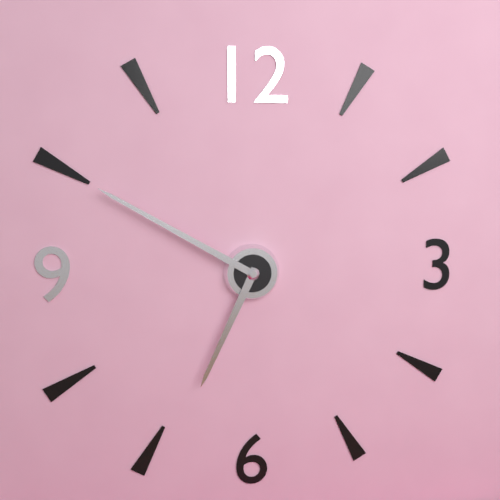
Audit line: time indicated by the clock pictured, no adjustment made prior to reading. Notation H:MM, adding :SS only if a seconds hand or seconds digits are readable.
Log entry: 6:50
